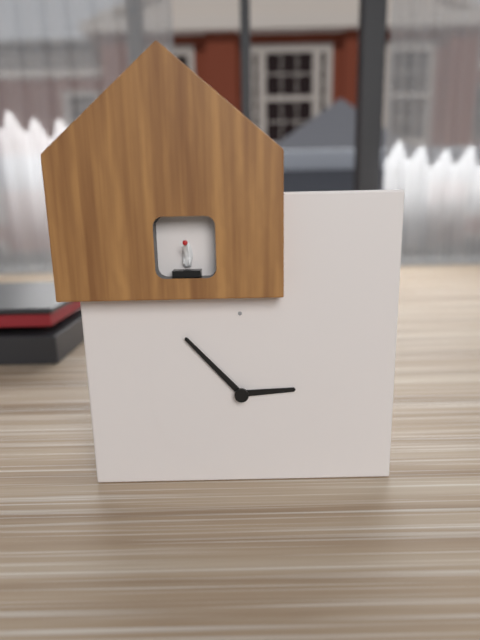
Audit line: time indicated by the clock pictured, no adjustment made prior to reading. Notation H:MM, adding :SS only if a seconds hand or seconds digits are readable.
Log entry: 2:53
